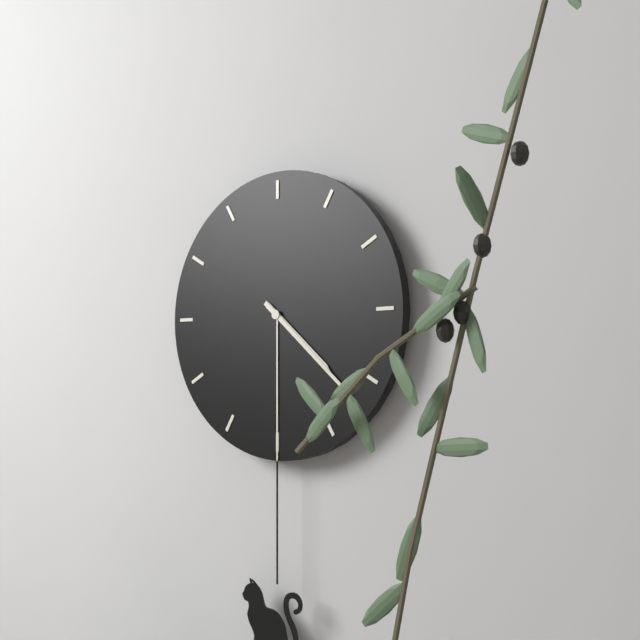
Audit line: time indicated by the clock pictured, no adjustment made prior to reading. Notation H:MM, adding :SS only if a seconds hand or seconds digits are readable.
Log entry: 4:22
